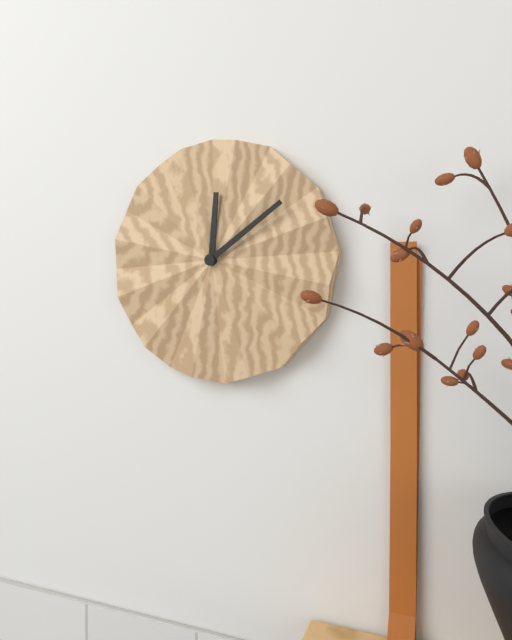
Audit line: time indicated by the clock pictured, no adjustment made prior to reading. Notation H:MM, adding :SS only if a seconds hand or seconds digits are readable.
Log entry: 12:09
